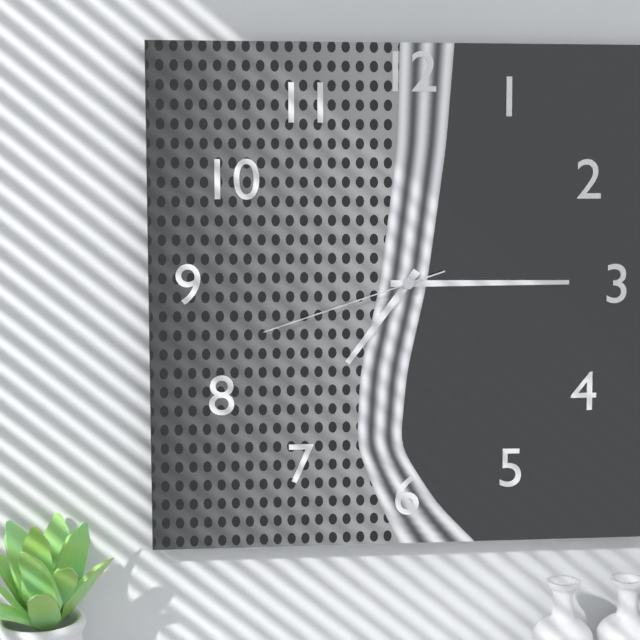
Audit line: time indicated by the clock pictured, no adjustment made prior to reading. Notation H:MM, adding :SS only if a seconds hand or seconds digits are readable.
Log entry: 7:15:42
